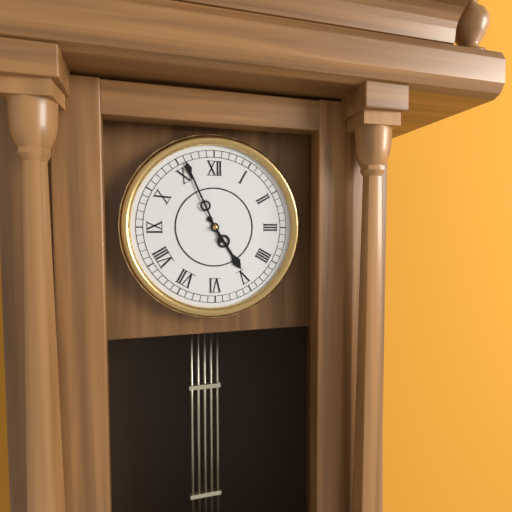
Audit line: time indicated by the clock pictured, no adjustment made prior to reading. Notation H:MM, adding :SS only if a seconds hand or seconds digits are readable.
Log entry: 4:56
